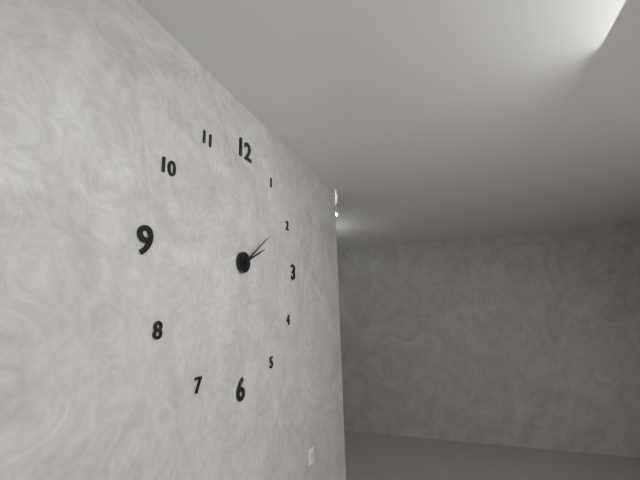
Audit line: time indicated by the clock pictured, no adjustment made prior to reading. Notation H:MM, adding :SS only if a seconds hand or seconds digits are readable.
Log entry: 2:09
